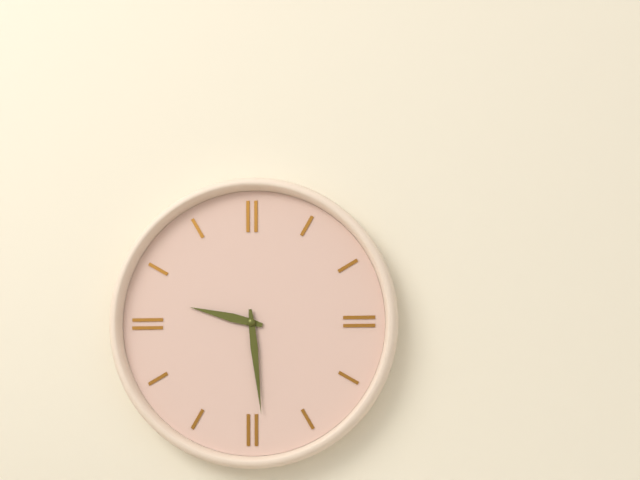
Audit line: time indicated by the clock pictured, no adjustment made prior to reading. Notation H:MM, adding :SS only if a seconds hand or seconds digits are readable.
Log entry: 9:29
